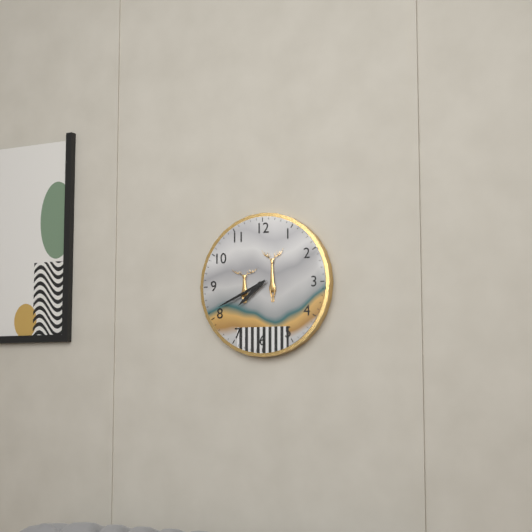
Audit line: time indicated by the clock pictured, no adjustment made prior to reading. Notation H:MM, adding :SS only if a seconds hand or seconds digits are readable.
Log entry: 7:41
